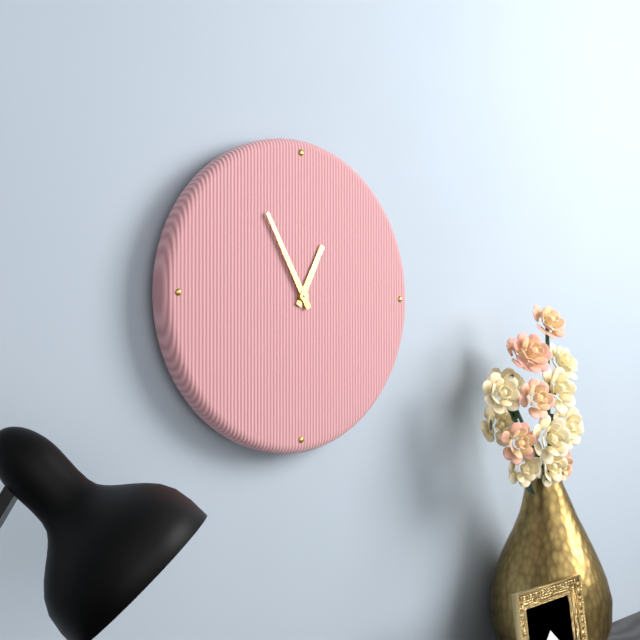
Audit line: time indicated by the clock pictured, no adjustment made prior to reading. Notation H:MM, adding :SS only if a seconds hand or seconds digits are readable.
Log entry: 12:55
